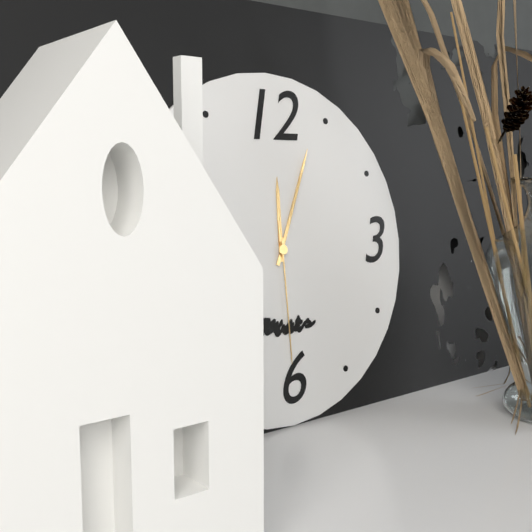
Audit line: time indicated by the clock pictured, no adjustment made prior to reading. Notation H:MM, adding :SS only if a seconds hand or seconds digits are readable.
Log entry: 12:04:30
